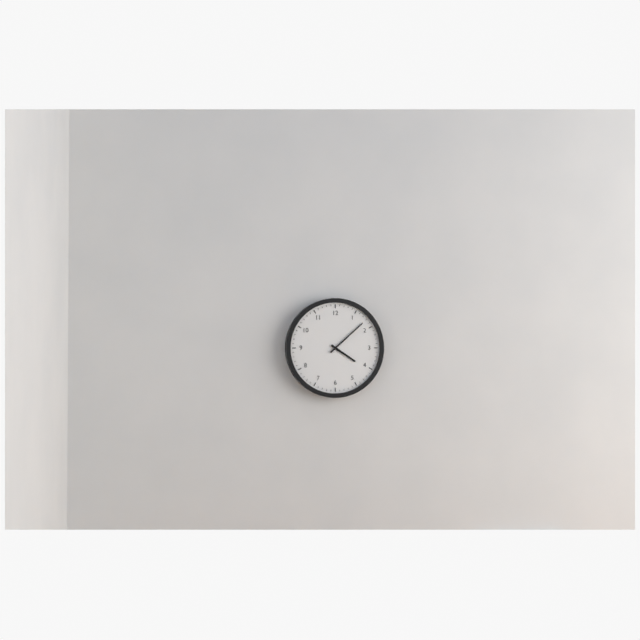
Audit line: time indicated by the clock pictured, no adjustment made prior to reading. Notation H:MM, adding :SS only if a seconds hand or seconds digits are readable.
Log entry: 4:08
